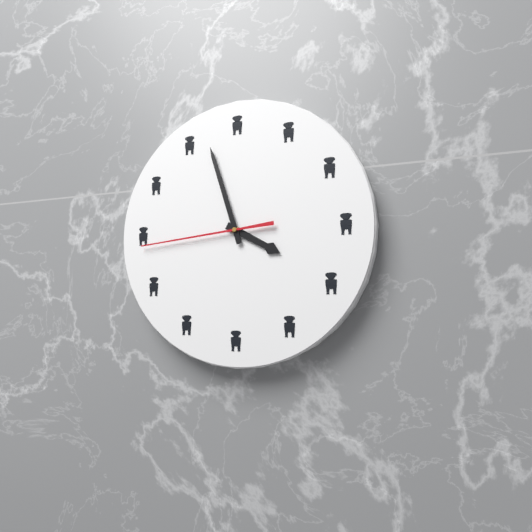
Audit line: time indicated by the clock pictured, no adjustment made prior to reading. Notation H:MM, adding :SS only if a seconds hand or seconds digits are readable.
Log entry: 3:57:44
